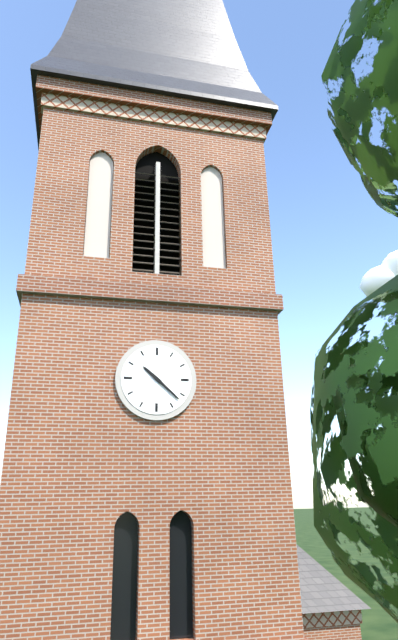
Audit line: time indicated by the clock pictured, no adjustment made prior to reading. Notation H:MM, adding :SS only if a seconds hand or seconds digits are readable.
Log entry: 10:22
